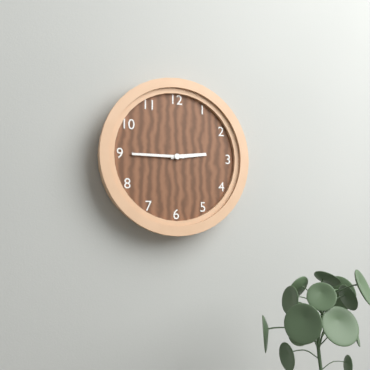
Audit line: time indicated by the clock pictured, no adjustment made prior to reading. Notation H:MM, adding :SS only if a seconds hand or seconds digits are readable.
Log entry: 2:45
